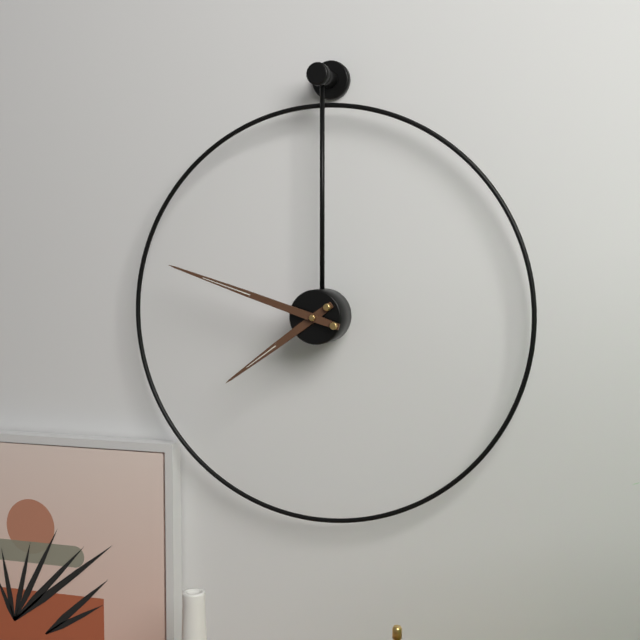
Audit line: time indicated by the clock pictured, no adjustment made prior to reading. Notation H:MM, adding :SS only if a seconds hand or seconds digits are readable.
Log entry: 7:48
